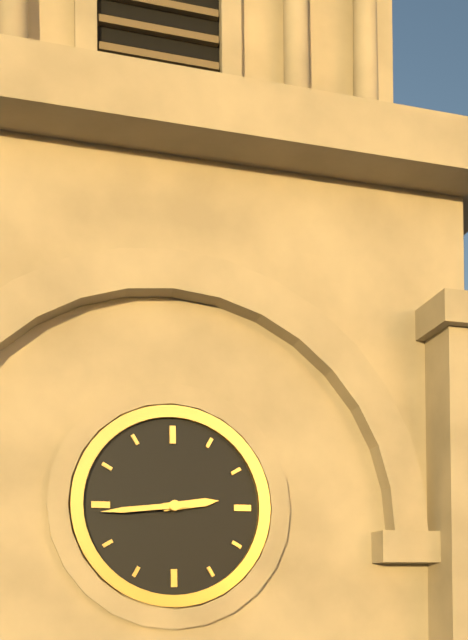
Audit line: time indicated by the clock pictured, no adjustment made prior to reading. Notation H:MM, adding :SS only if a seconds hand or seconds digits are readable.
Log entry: 2:44
